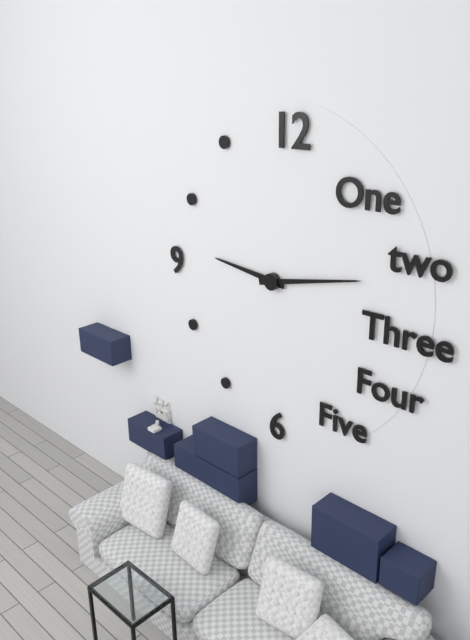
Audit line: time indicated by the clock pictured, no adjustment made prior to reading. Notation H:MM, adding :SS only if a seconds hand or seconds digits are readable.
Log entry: 9:13
